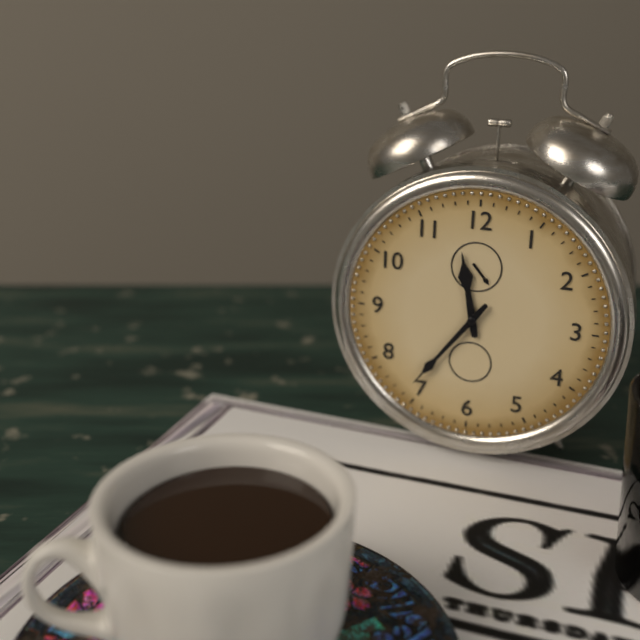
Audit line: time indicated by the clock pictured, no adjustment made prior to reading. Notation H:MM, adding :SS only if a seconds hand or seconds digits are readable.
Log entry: 11:36
